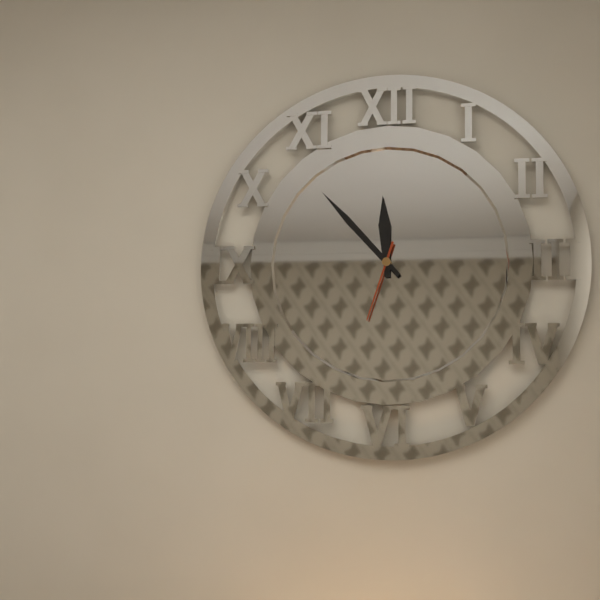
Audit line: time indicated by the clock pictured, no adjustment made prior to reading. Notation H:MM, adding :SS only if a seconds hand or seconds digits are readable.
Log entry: 11:53:33
